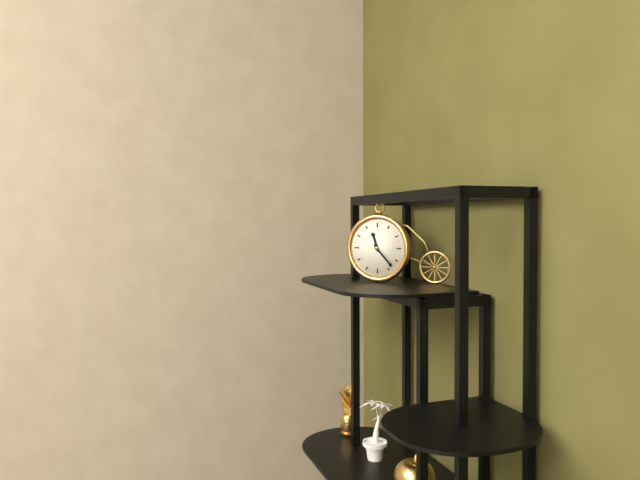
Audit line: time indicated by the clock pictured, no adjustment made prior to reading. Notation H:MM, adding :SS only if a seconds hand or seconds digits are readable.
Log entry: 11:23
